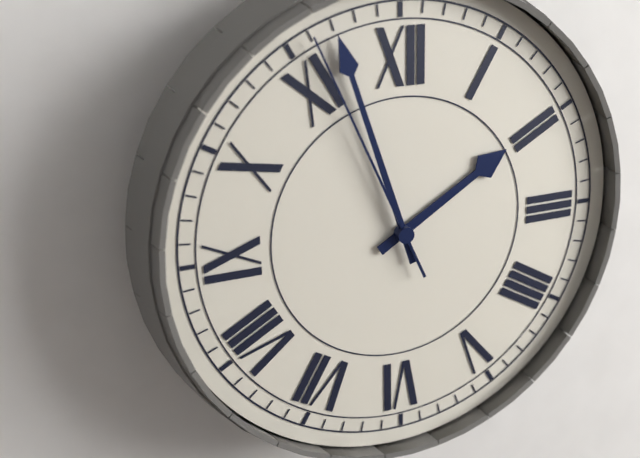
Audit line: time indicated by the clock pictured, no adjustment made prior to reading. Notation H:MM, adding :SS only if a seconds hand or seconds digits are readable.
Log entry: 1:57:56
